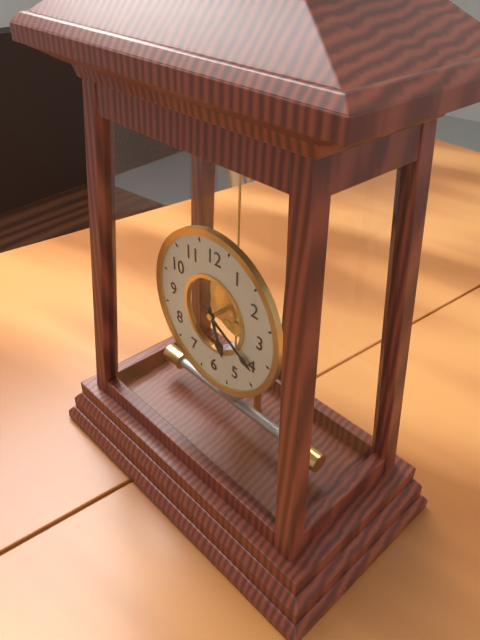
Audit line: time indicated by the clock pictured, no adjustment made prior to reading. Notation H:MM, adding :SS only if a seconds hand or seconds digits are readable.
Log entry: 5:20
